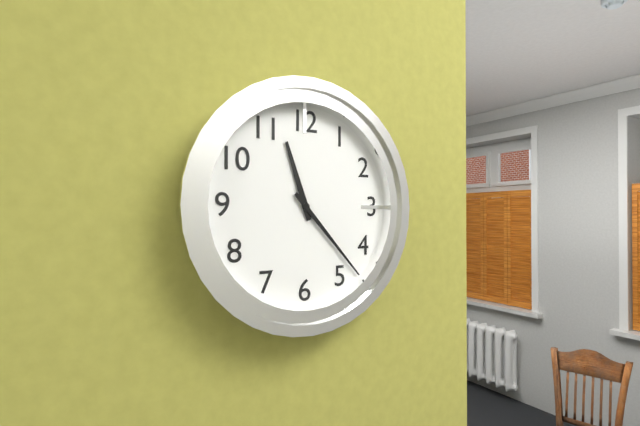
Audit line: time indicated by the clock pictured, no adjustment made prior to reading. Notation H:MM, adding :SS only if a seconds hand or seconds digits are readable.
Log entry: 11:23
